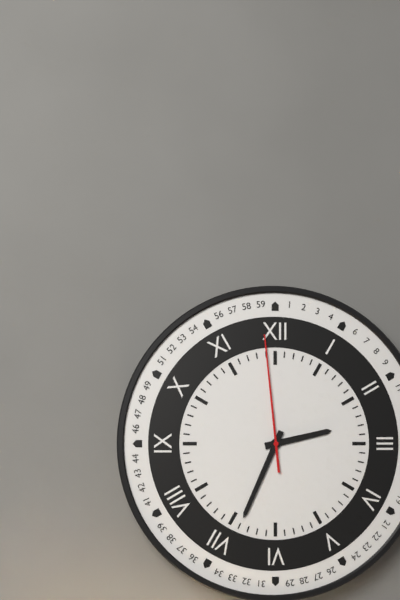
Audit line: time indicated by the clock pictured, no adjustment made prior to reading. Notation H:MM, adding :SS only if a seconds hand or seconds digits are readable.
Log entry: 2:34:59
